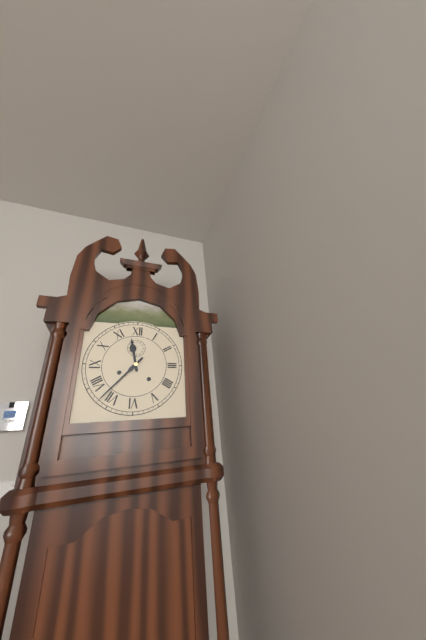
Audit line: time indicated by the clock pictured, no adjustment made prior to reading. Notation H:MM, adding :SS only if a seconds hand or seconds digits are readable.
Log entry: 11:37
